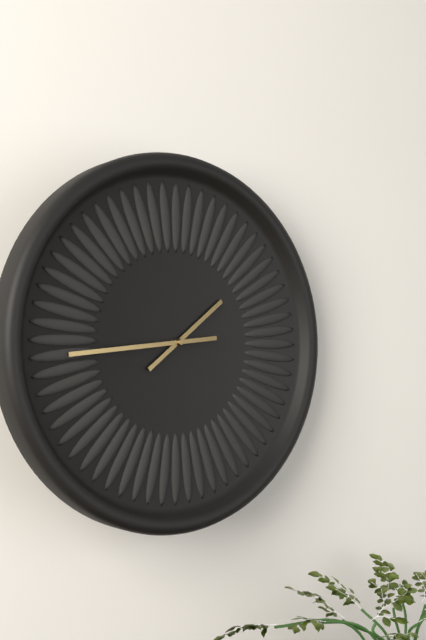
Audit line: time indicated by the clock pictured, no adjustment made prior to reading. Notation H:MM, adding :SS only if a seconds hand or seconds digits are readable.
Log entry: 1:44
